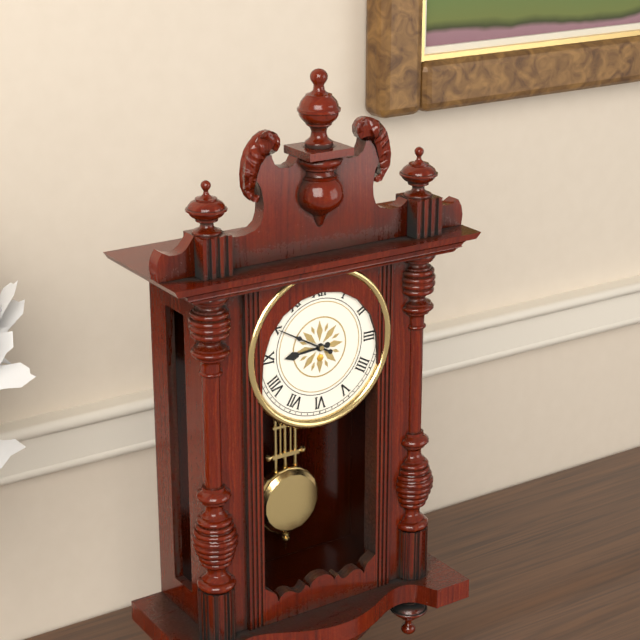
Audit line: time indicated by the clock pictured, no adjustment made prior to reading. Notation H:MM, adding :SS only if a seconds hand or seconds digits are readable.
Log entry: 8:50
